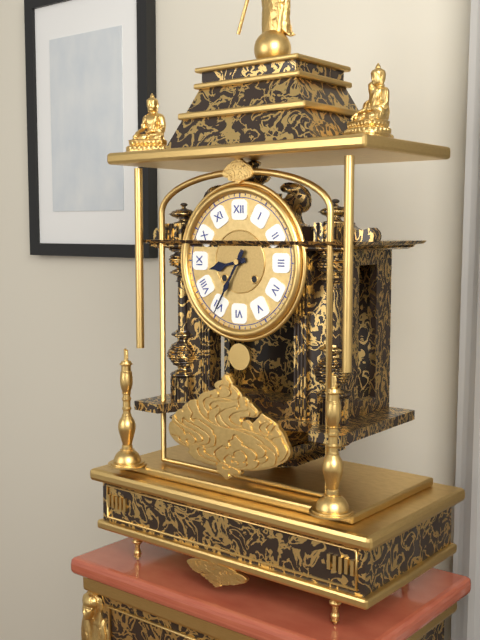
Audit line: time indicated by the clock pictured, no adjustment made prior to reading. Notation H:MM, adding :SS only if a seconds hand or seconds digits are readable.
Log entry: 8:35
